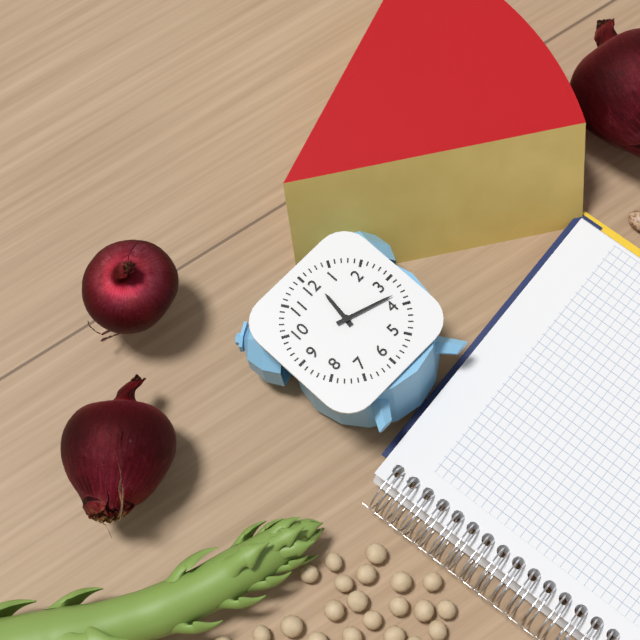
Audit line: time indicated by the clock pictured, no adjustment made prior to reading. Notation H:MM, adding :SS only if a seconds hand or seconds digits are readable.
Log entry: 12:18
